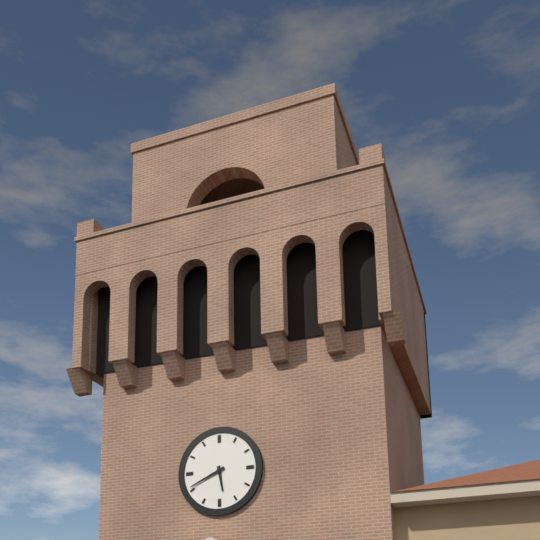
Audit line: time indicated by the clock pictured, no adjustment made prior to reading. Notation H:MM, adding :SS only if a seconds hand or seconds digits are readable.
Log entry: 5:41
